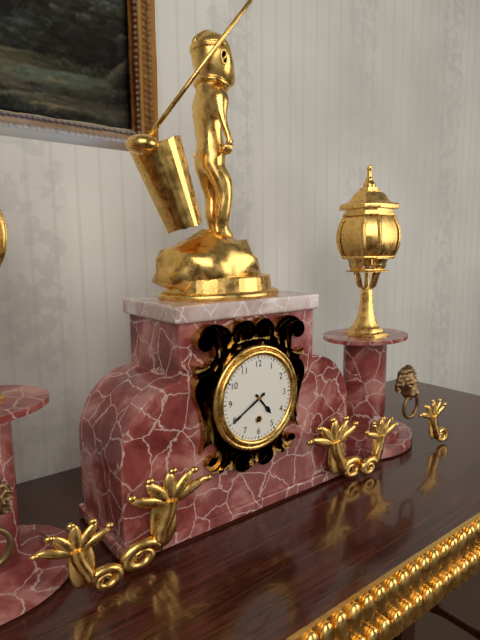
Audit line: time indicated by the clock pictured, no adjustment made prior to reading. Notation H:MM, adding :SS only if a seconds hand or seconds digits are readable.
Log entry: 4:40
